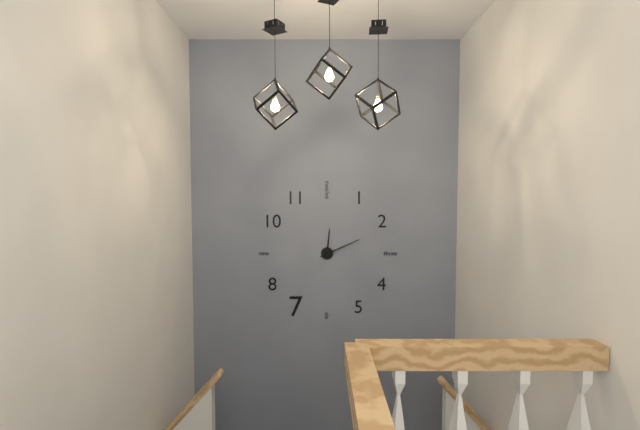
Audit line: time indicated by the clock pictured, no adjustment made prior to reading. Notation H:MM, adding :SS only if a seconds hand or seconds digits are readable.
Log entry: 12:11
